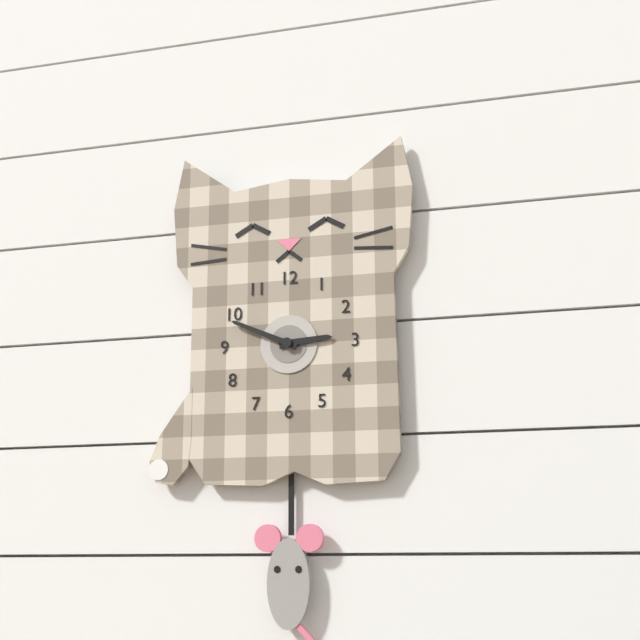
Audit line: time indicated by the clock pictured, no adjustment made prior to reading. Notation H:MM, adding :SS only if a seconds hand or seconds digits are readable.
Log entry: 2:49
